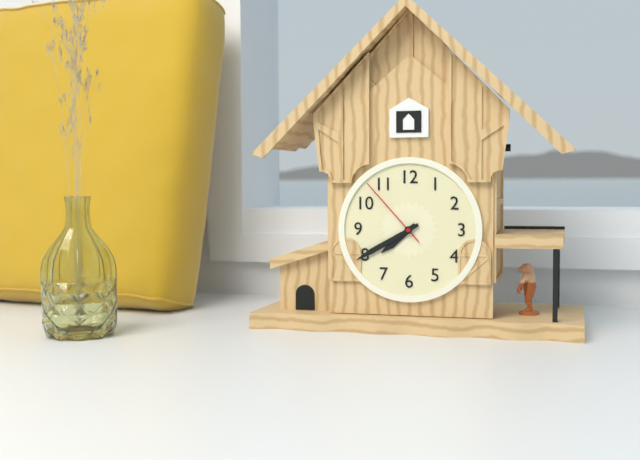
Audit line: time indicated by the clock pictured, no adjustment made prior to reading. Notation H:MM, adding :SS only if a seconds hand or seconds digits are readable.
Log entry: 7:40:53
